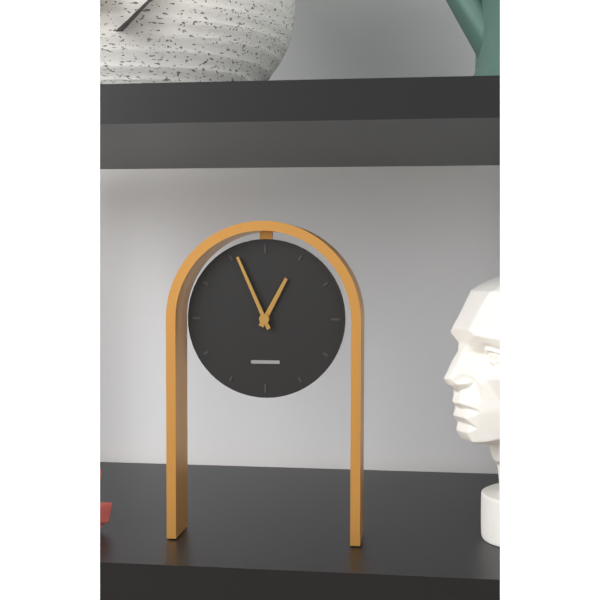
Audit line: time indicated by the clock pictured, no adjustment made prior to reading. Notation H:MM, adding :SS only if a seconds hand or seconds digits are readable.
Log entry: 12:56
